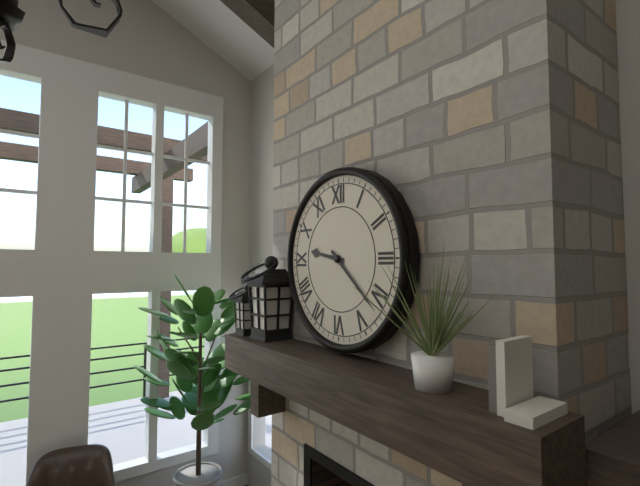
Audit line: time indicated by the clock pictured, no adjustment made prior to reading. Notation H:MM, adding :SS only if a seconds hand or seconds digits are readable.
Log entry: 9:22
